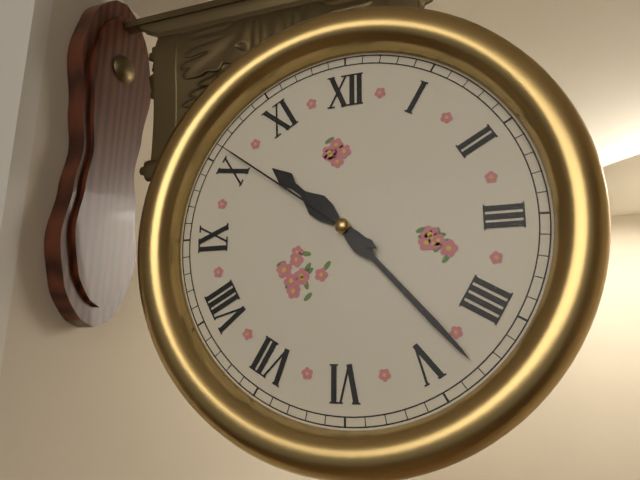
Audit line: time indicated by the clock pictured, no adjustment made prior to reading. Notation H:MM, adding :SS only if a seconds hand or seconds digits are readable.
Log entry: 10:23:51
